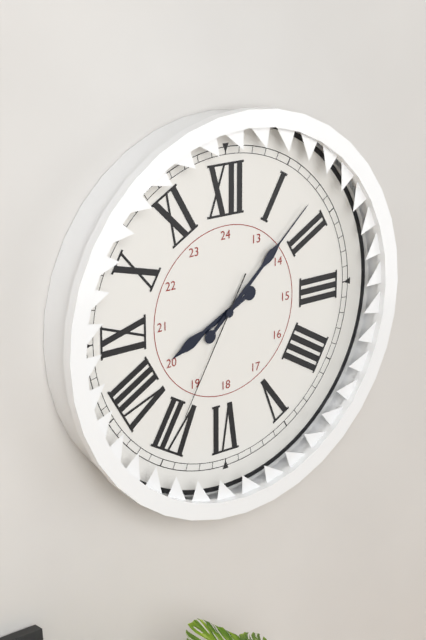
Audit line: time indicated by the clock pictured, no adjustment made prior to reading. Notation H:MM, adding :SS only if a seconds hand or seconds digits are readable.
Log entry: 8:08:35
